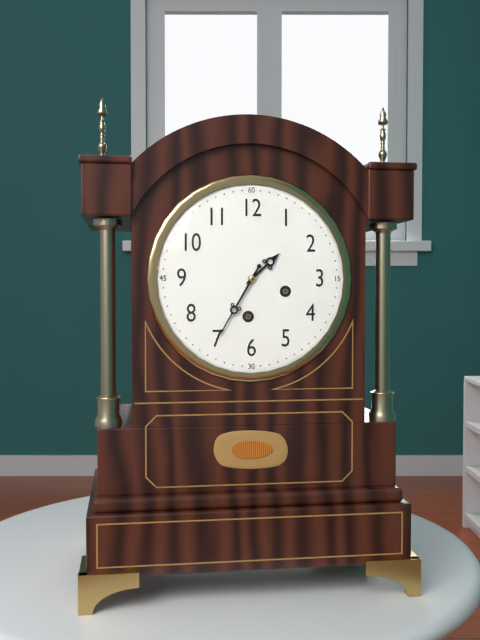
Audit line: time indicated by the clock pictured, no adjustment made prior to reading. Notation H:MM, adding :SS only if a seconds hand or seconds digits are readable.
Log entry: 1:35
